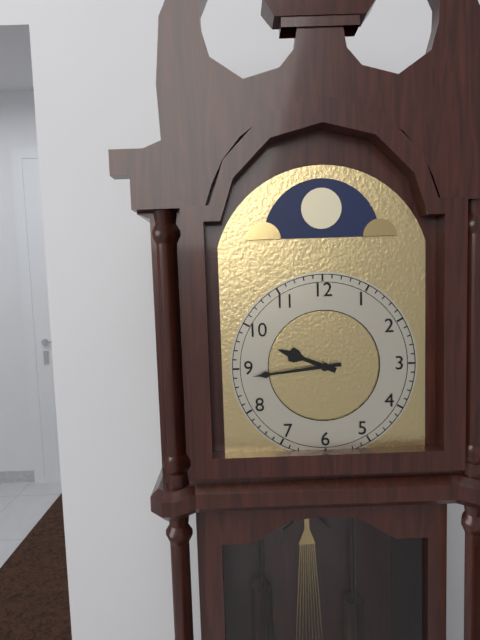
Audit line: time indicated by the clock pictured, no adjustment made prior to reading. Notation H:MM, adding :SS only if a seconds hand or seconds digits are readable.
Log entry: 9:44
